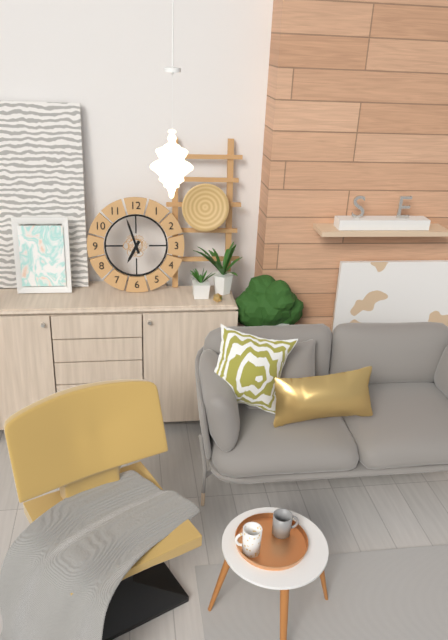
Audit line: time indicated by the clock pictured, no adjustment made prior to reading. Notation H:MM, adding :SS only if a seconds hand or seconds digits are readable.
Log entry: 6:57
